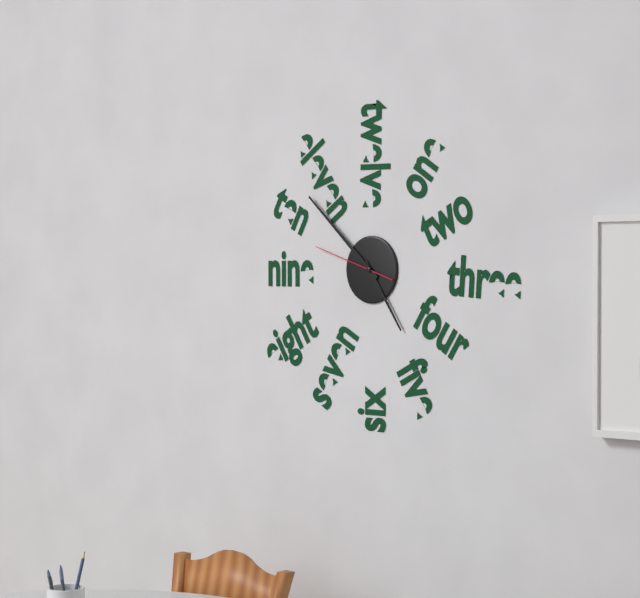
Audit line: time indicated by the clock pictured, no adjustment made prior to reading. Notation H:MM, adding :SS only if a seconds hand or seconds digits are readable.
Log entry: 4:52:48
